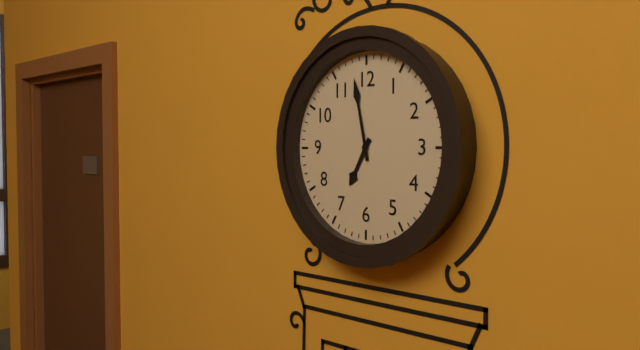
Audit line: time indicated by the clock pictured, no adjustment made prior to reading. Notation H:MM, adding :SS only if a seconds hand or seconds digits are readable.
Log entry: 6:58
